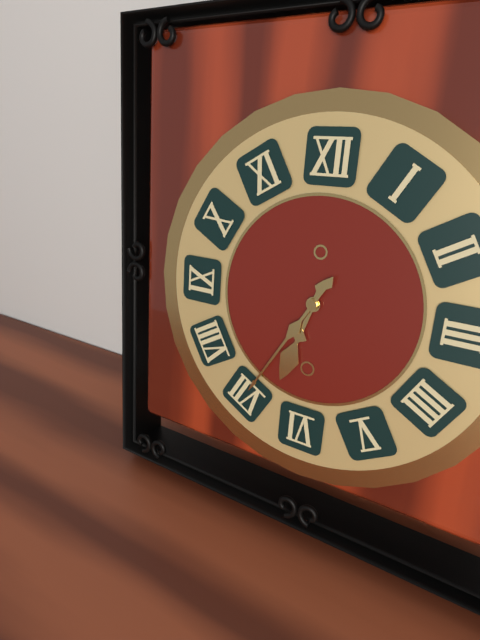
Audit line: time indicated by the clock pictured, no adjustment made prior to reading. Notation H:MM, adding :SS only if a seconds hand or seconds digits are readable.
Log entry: 6:35
